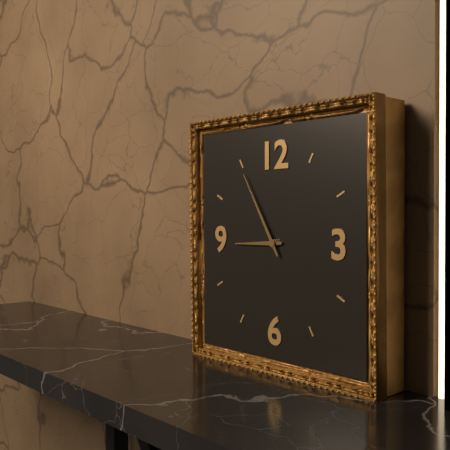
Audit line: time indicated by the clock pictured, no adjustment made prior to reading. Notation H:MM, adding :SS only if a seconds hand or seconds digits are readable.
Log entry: 8:55
